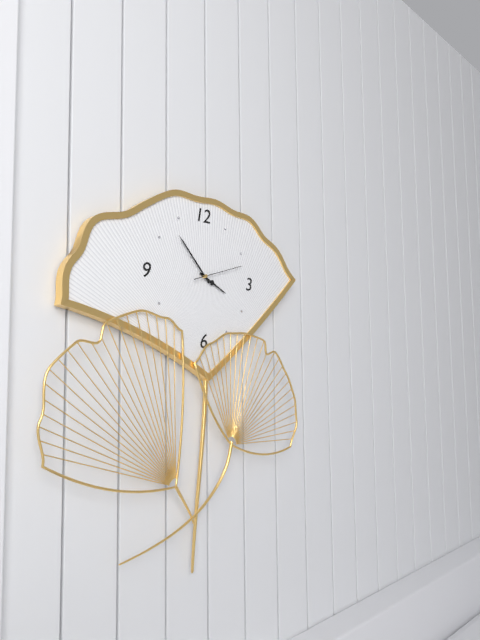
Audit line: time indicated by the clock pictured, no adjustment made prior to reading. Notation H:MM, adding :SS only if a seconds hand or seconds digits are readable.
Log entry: 3:53
